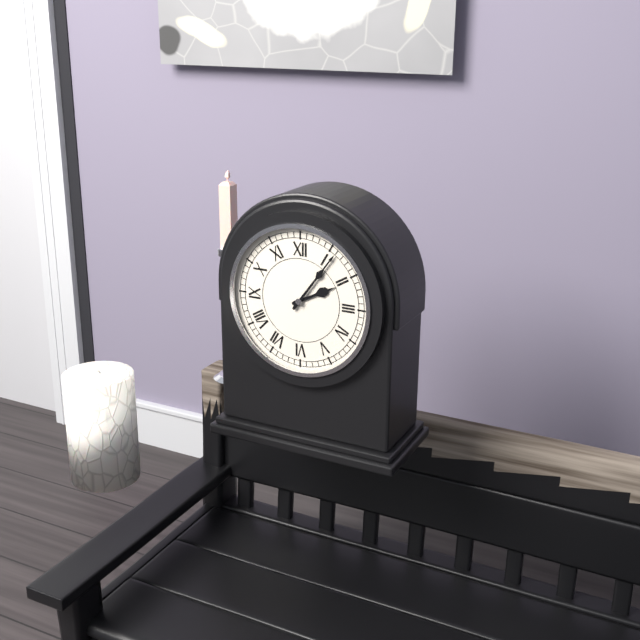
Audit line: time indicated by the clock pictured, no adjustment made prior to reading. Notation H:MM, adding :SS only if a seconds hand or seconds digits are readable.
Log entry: 2:06
